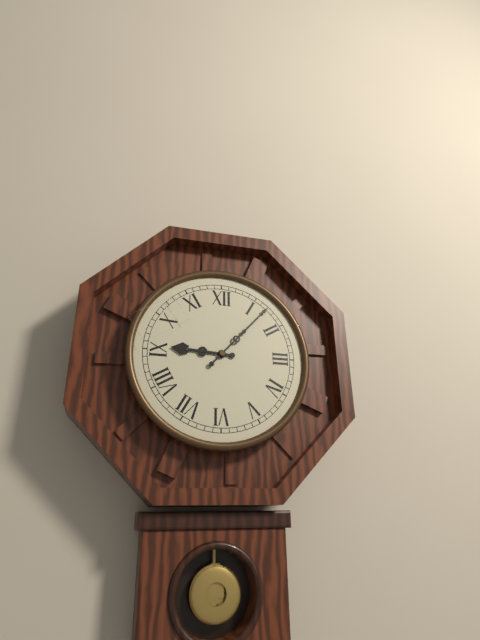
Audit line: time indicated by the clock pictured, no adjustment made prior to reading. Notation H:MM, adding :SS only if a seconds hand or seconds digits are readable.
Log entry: 9:07
